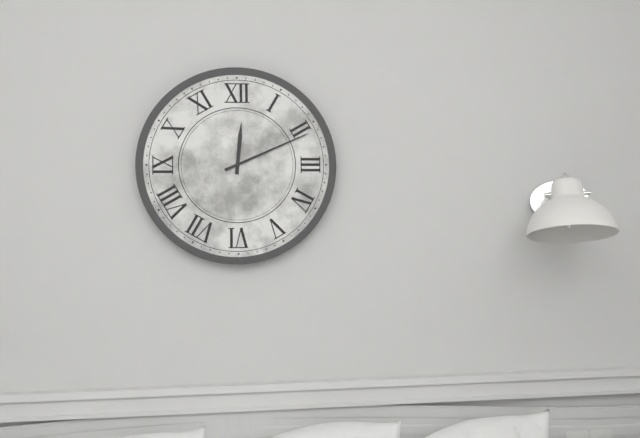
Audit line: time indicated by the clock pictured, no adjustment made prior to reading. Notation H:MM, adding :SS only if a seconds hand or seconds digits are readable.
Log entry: 12:11
